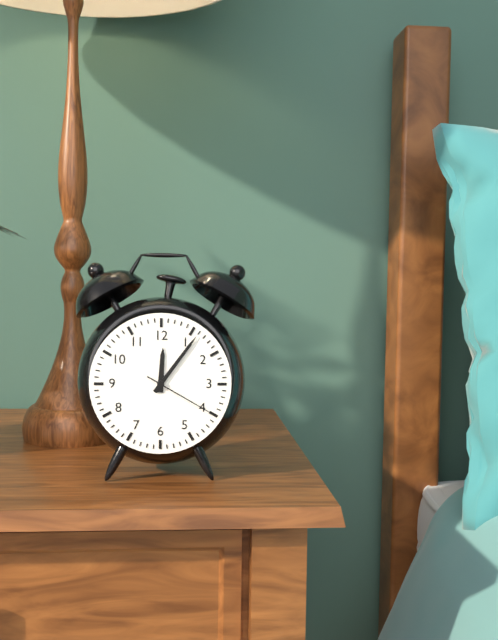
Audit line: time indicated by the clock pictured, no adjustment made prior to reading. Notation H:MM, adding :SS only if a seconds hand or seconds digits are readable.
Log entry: 12:06:20
